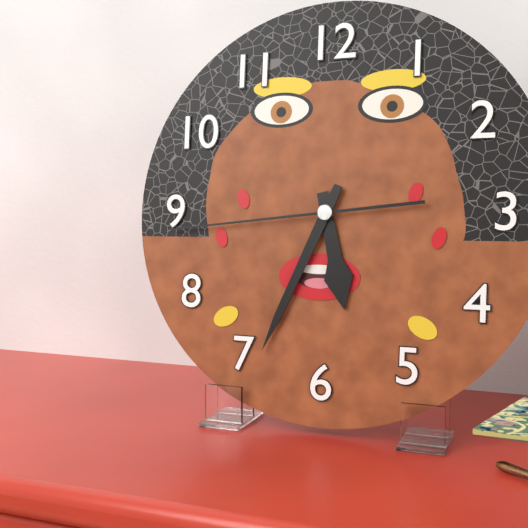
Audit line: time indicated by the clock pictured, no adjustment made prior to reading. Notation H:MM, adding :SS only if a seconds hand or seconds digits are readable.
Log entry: 5:34:44
